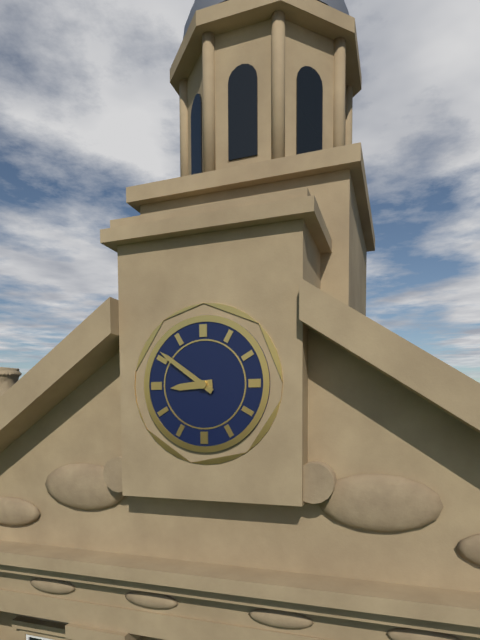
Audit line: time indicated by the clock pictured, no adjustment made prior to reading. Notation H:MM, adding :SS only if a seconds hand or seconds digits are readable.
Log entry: 8:51
